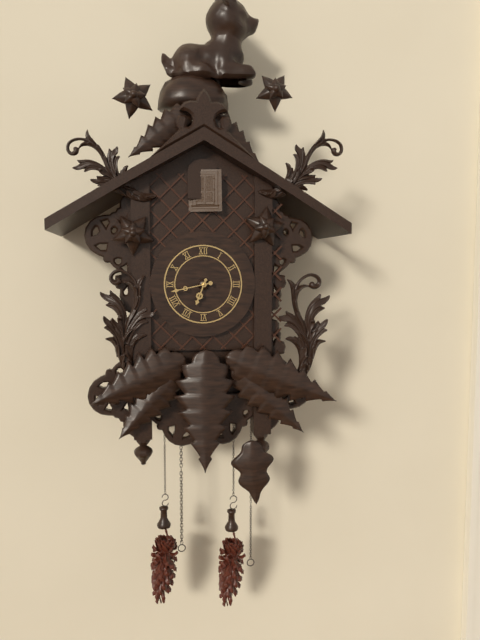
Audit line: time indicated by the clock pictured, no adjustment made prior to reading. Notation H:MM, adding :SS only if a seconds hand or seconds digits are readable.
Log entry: 6:43
